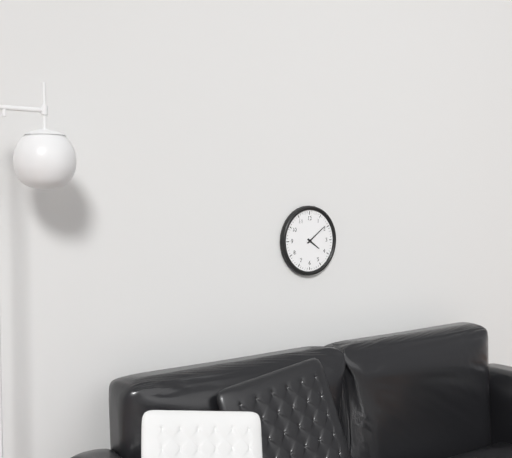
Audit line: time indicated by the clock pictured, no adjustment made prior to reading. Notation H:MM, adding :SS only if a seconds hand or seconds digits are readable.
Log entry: 4:09
